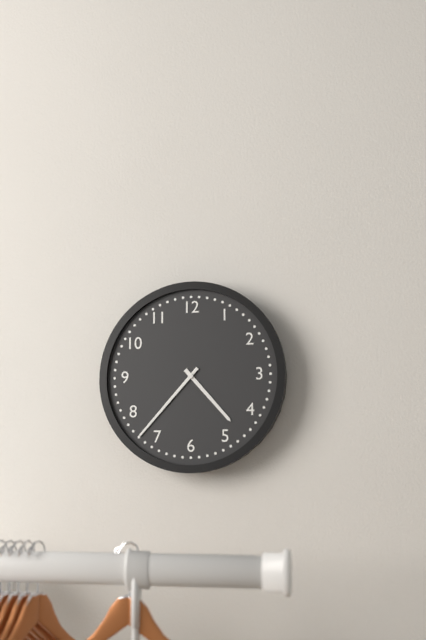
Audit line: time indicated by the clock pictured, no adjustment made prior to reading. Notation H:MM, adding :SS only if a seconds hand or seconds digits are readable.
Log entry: 4:37
